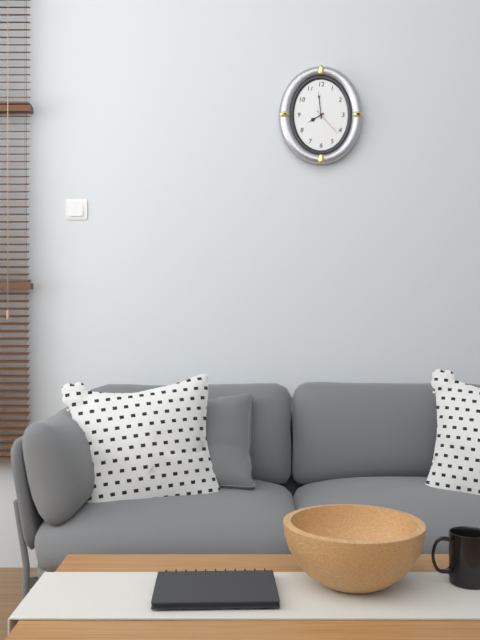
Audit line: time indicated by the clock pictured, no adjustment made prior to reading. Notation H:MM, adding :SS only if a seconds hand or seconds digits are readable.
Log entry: 7:59
